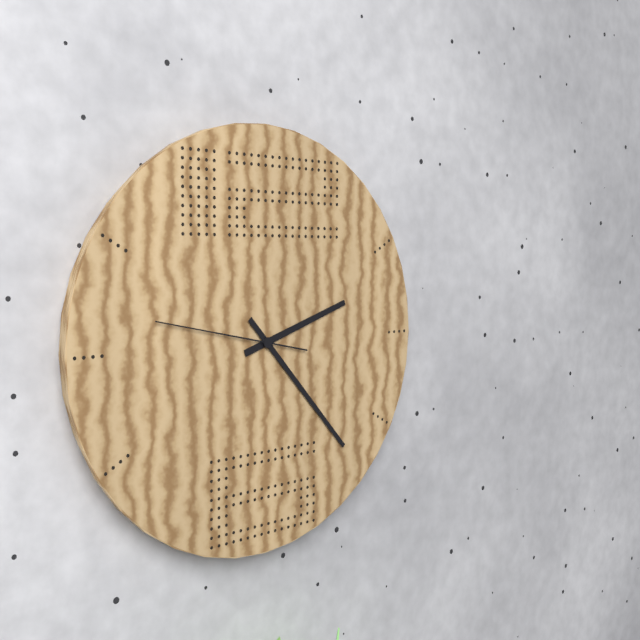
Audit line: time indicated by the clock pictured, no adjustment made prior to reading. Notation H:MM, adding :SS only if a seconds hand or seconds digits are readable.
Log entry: 2:23:47
